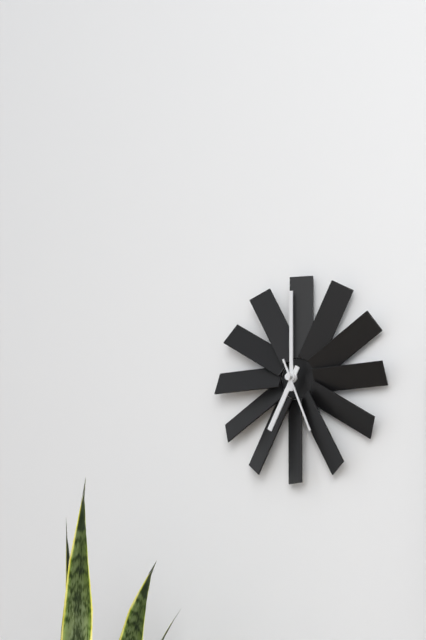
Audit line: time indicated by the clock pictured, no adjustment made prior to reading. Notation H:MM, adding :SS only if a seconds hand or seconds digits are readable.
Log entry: 7:00:26
